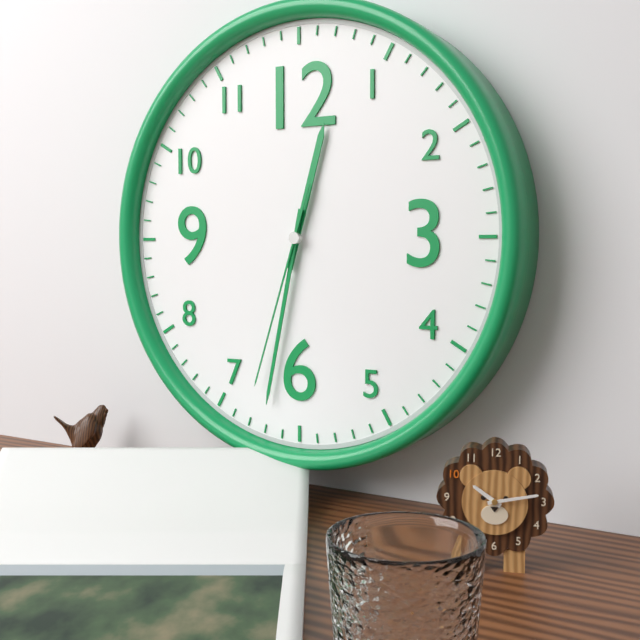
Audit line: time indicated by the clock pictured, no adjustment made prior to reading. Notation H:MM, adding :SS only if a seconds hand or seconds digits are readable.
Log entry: 12:32:33
